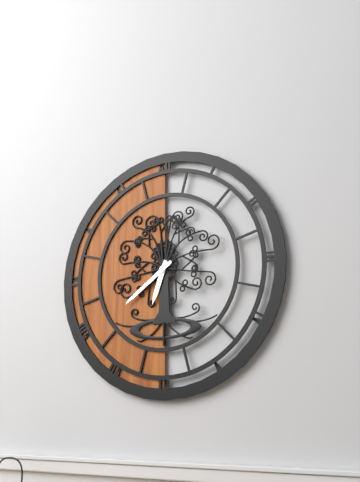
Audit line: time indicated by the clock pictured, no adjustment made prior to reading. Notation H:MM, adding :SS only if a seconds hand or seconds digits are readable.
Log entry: 6:39
